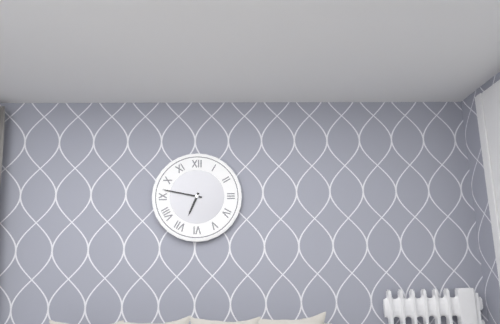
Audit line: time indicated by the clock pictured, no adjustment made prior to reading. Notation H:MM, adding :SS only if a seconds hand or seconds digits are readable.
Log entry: 6:47
